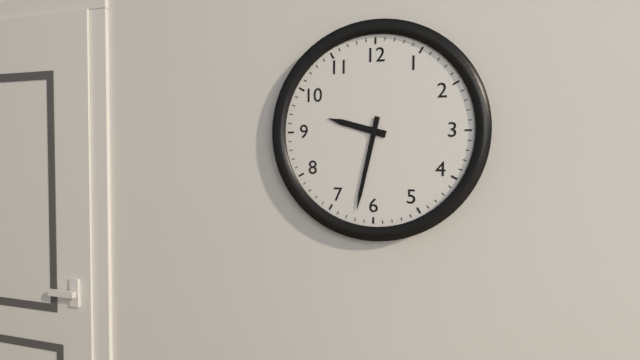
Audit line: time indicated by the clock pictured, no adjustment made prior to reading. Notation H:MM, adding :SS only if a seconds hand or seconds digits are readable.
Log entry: 9:32
